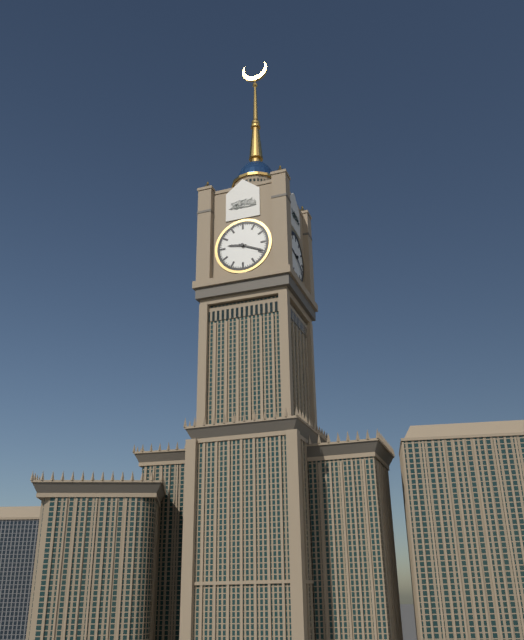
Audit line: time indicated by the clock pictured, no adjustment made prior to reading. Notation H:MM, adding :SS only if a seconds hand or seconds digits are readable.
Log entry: 9:19
